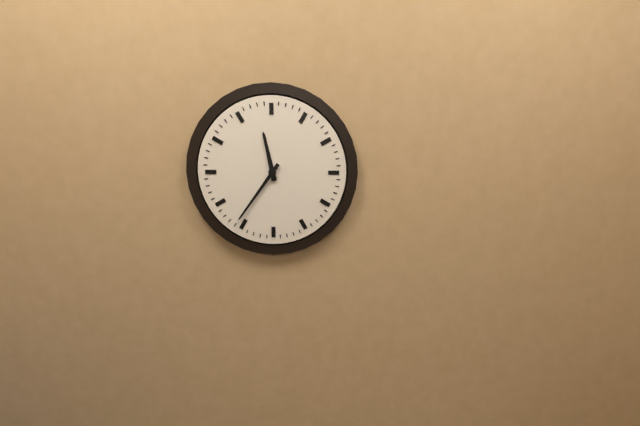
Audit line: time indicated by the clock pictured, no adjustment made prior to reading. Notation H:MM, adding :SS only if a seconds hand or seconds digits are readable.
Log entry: 11:36
